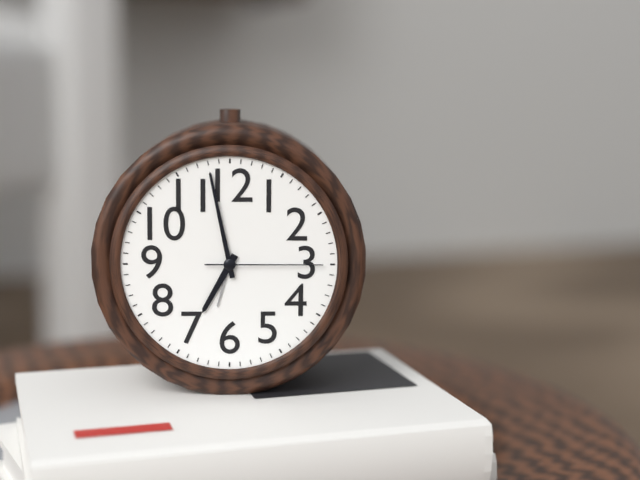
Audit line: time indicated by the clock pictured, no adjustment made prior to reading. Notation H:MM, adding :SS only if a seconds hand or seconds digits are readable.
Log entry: 6:58:15
